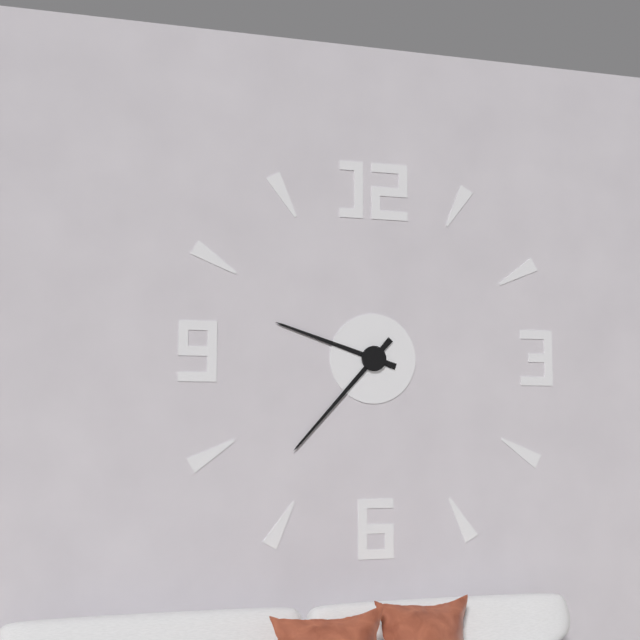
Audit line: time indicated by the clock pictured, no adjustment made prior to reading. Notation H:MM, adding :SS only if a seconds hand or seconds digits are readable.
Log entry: 9:37
